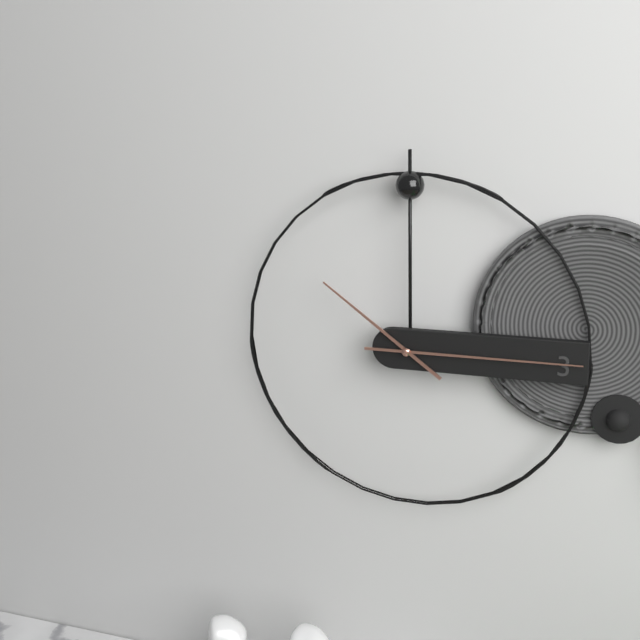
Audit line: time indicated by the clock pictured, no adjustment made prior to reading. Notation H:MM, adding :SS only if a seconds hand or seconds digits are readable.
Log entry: 10:15
